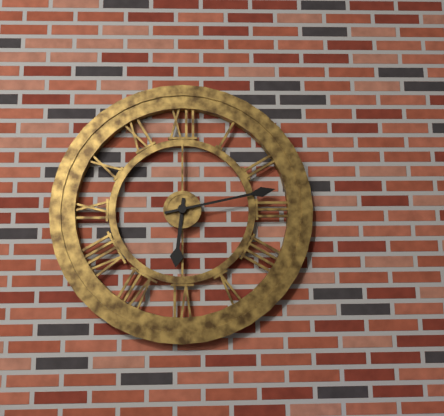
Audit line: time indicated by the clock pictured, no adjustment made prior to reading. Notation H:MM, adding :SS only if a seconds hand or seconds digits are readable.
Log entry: 6:13
